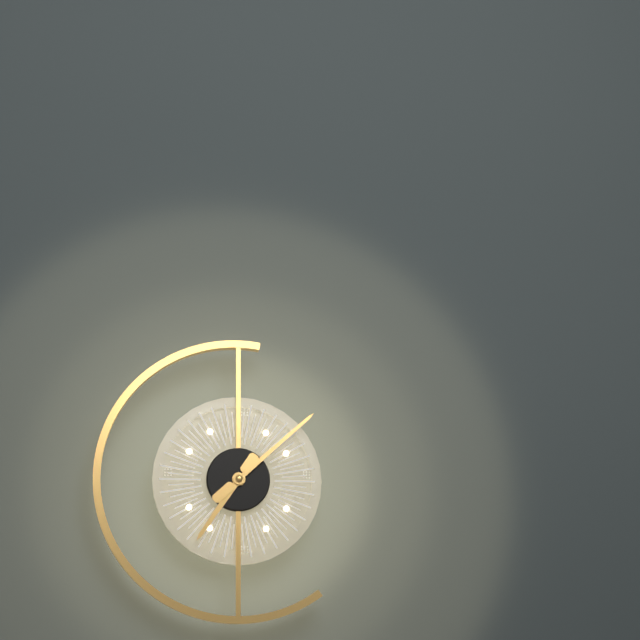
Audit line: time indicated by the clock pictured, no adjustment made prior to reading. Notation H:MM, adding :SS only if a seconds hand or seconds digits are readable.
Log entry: 7:08
